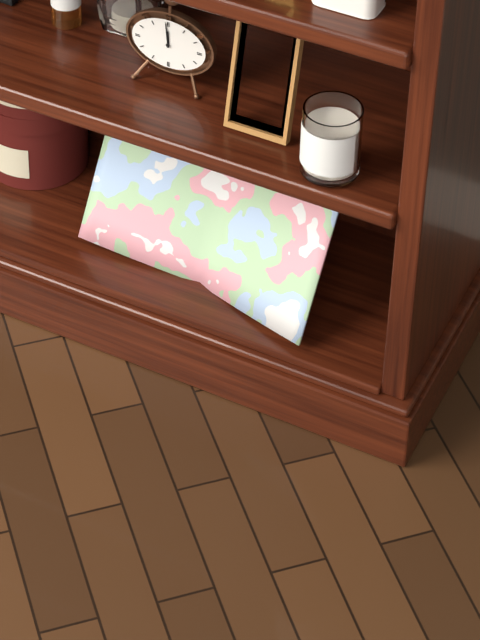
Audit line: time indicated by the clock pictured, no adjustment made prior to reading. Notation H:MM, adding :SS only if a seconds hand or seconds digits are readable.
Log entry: 11:59
